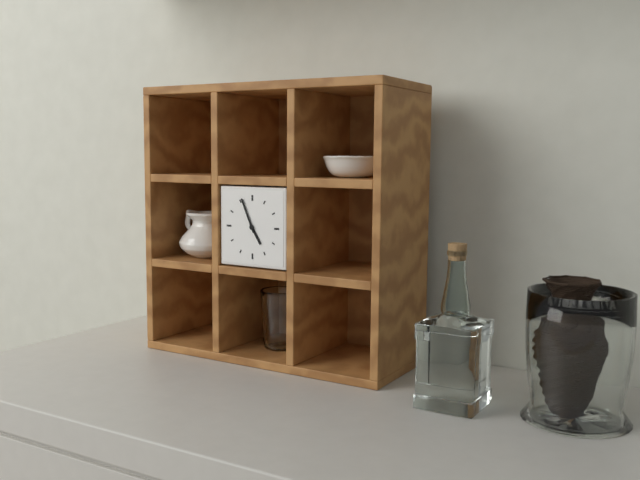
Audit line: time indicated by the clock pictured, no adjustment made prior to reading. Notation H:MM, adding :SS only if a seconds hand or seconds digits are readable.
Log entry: 4:56
